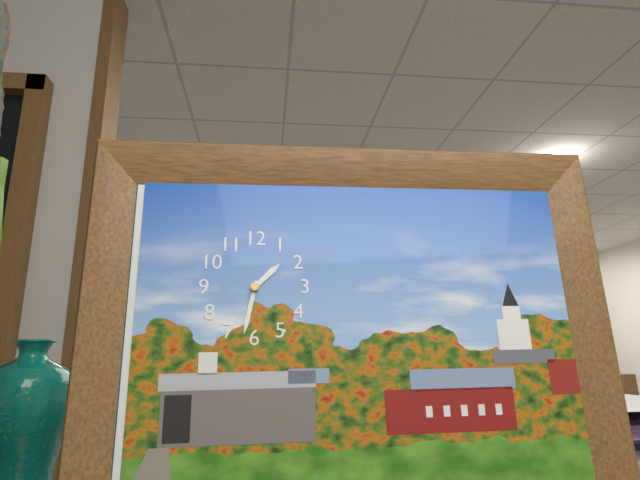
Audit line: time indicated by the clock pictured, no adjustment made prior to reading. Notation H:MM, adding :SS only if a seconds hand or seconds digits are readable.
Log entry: 1:32
